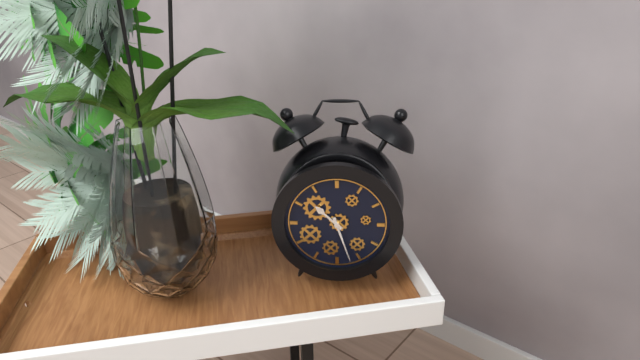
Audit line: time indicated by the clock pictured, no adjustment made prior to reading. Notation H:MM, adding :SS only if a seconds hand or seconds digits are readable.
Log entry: 10:27
